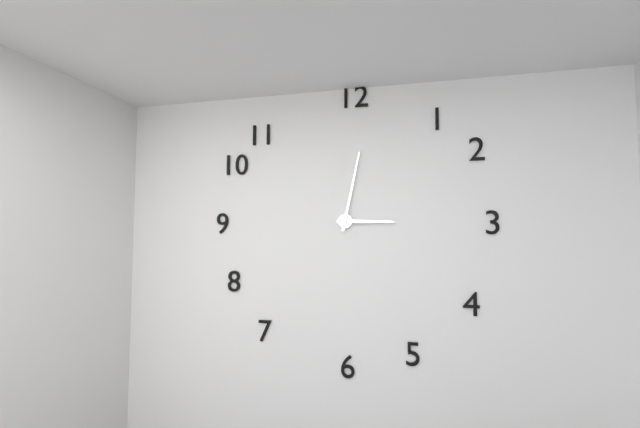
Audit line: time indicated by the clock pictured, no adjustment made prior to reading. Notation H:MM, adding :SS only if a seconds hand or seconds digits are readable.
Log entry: 3:02
